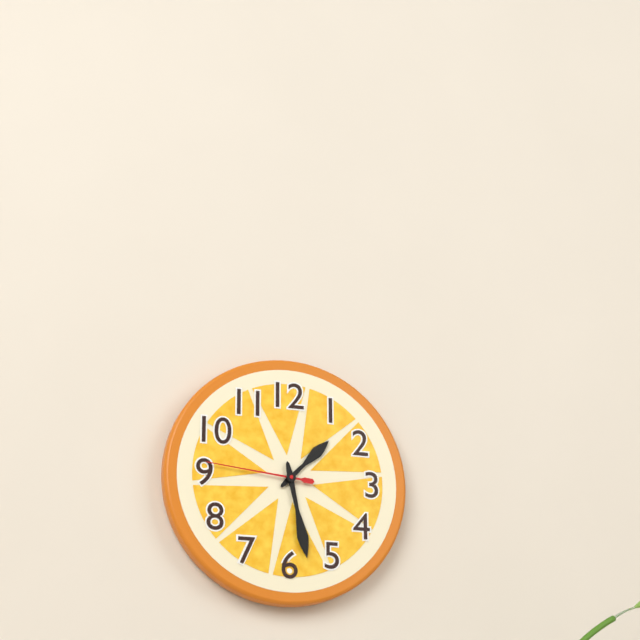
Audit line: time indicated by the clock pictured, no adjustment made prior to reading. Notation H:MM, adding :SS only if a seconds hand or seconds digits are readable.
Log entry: 1:28:46
